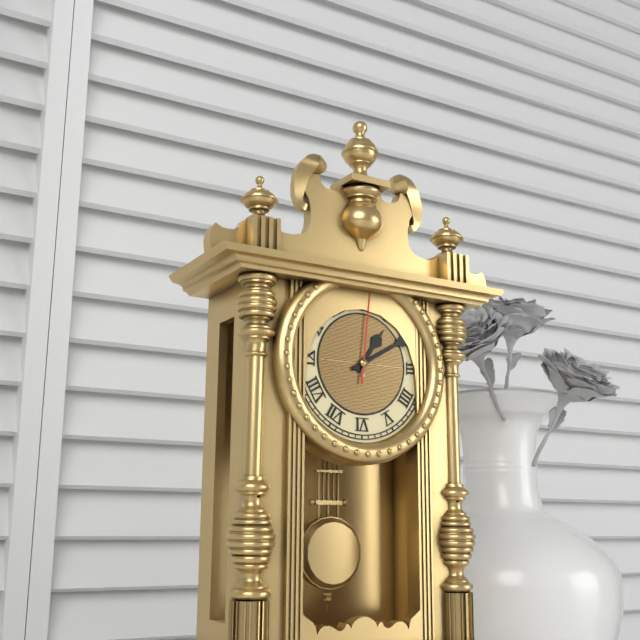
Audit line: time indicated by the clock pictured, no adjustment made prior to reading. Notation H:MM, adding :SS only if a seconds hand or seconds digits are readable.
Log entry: 1:10:01
